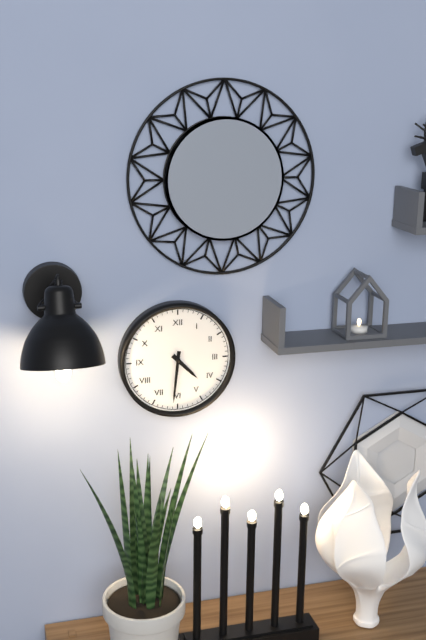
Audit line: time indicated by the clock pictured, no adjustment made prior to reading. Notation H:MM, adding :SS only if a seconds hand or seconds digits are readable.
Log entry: 4:31
